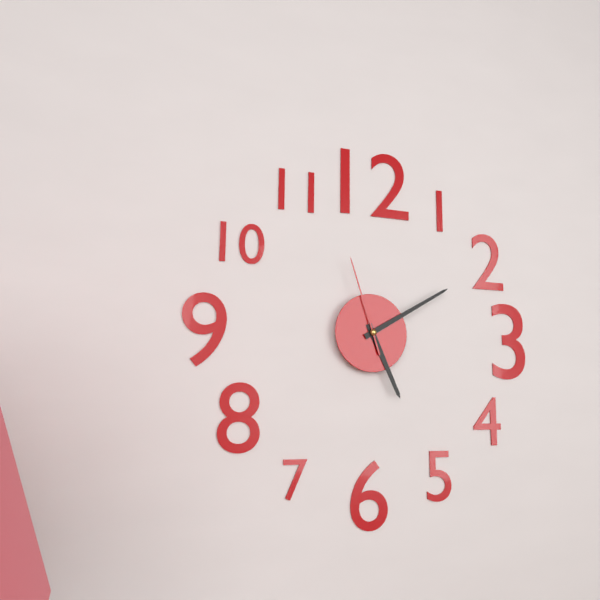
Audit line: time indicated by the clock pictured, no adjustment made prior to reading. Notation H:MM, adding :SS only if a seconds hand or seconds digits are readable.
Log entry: 5:10:57
